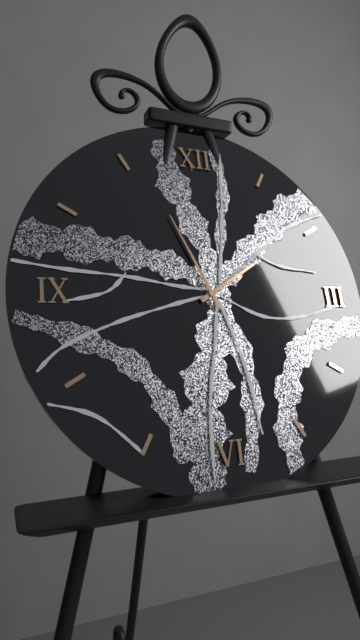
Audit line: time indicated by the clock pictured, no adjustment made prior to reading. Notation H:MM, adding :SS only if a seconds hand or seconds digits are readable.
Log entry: 1:56
